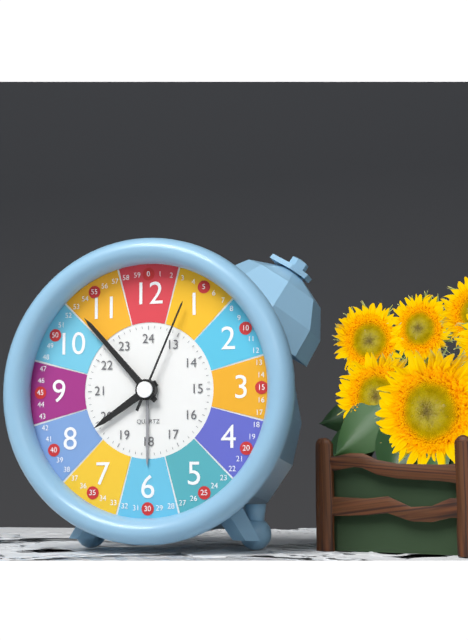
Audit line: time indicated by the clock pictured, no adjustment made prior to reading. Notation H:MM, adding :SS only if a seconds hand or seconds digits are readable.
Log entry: 7:53:04
